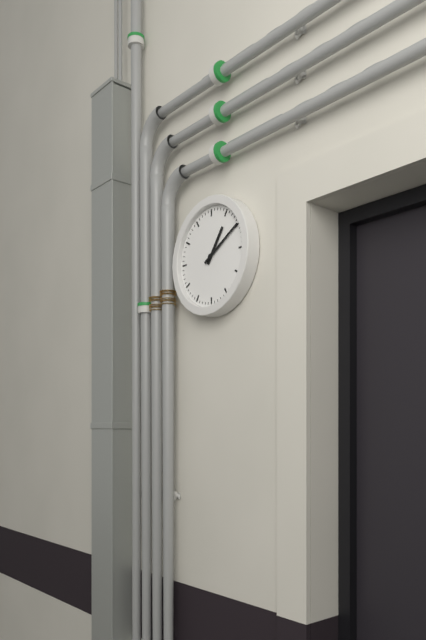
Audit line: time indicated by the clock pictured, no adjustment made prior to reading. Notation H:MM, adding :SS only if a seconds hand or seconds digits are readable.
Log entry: 1:10
